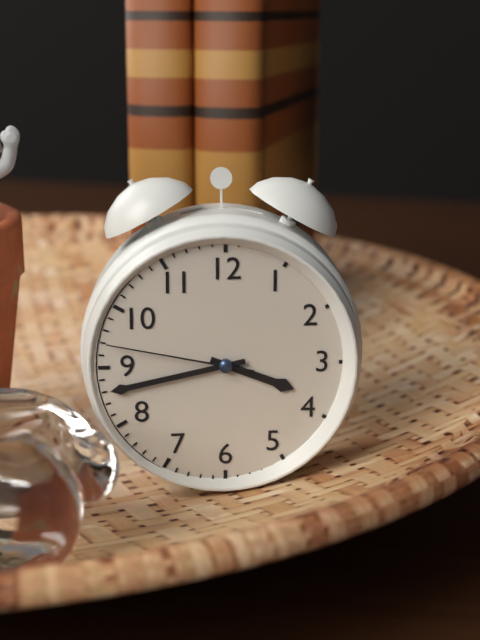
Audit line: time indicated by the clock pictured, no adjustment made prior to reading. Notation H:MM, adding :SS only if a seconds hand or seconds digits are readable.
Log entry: 3:43:47
